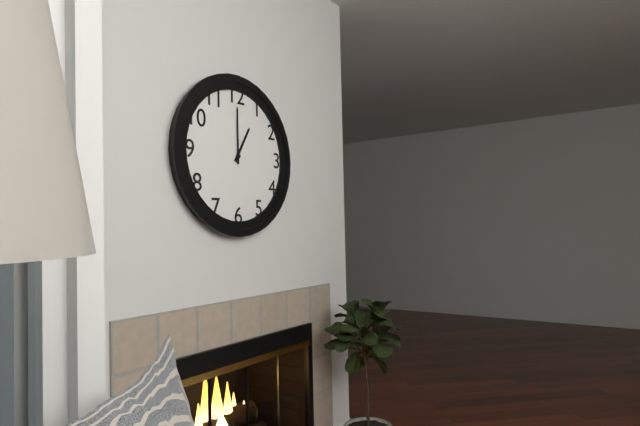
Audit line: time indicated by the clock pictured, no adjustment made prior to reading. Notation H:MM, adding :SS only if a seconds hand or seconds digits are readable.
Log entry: 1:00
